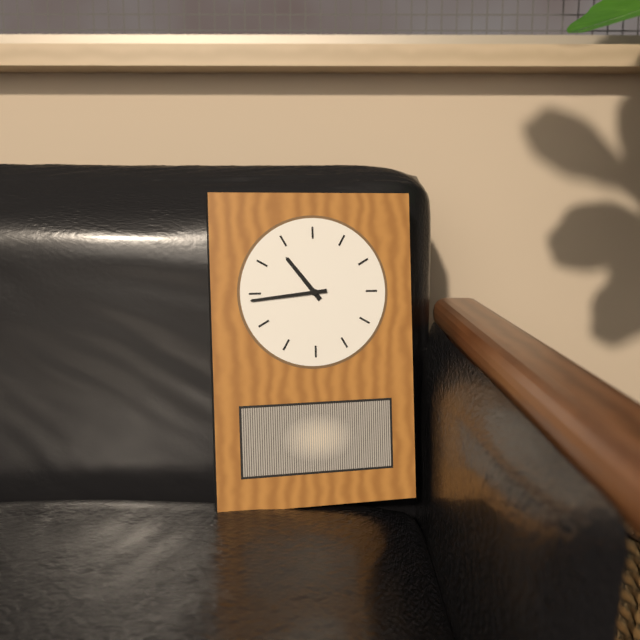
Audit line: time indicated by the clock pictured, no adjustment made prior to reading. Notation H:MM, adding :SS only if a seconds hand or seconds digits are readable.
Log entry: 10:44
